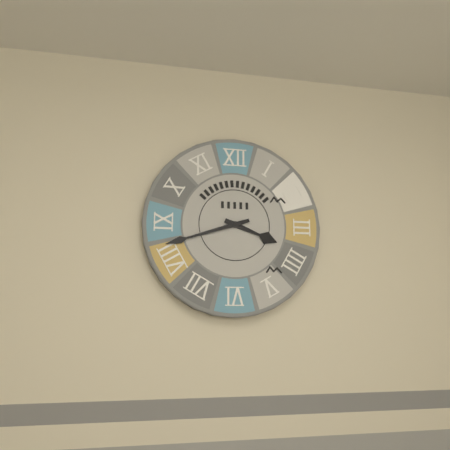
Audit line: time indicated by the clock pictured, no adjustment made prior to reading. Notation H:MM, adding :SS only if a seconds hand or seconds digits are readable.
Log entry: 3:42
